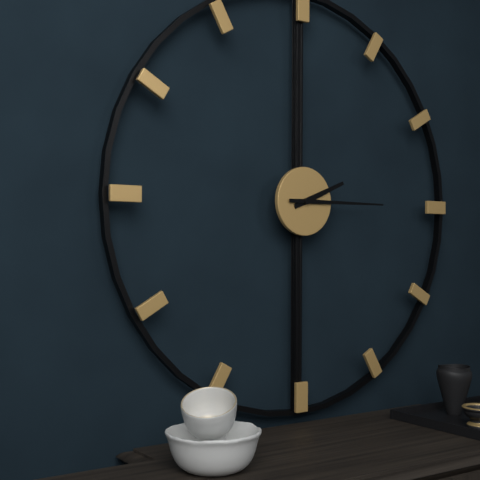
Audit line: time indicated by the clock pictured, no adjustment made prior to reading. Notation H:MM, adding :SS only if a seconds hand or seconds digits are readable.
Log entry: 2:15
